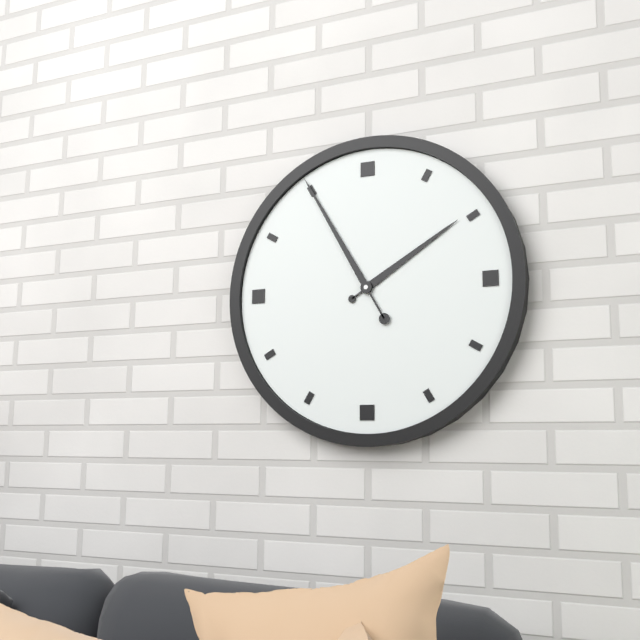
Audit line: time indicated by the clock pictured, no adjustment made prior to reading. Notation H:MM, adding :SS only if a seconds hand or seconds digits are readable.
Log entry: 1:55
